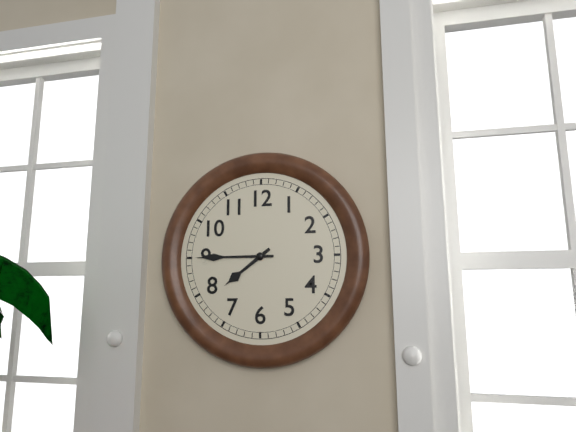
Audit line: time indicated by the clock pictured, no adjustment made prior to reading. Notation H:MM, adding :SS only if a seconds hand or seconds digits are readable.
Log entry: 7:45
